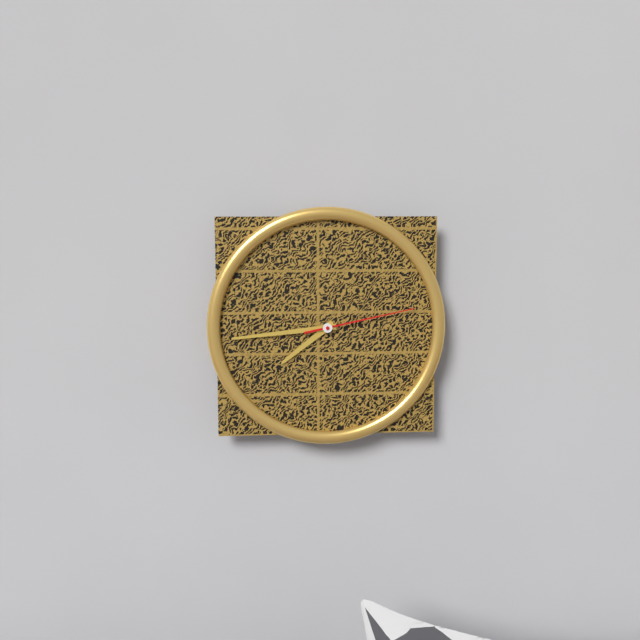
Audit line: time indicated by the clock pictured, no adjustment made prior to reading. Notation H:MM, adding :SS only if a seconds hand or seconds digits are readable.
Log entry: 7:44:13
